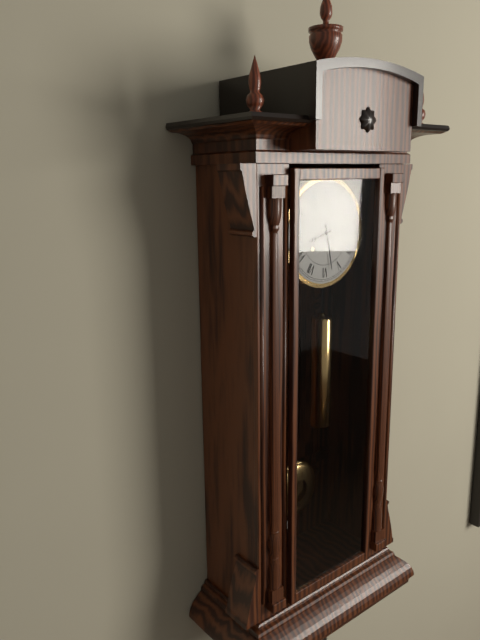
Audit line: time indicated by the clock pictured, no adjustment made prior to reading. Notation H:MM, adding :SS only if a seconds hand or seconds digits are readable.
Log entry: 8:28
